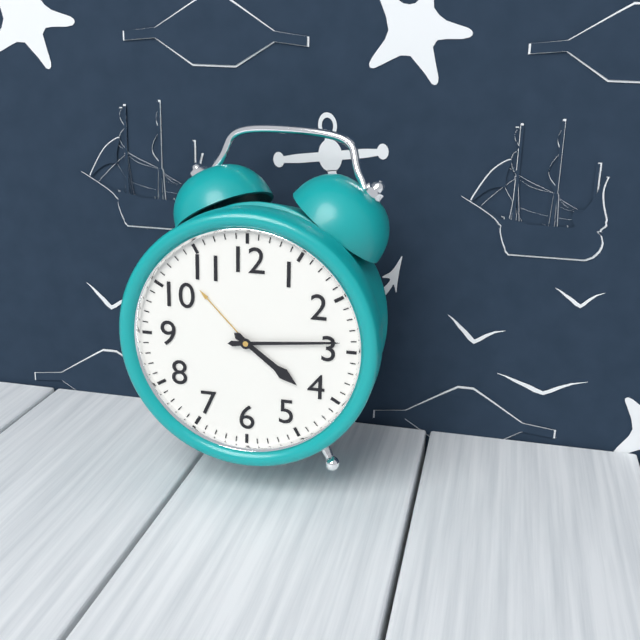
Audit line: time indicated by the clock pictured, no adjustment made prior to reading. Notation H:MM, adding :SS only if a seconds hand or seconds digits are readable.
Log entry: 4:14
